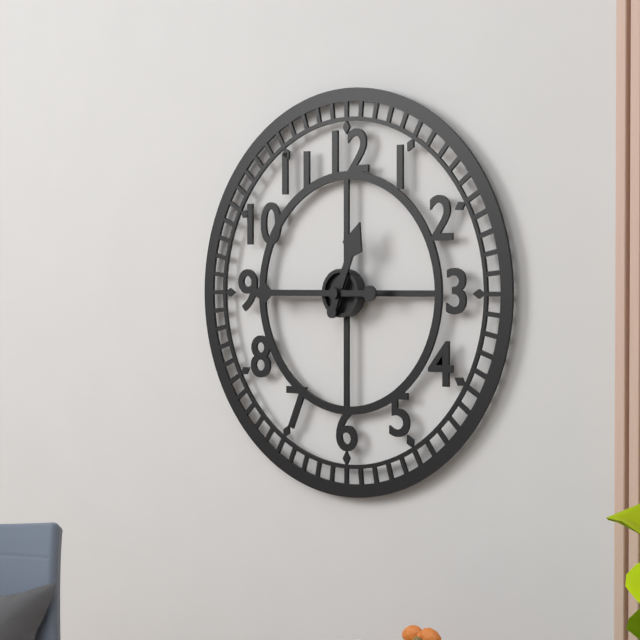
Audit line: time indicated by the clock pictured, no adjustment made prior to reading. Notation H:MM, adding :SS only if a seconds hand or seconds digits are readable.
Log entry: 12:45
